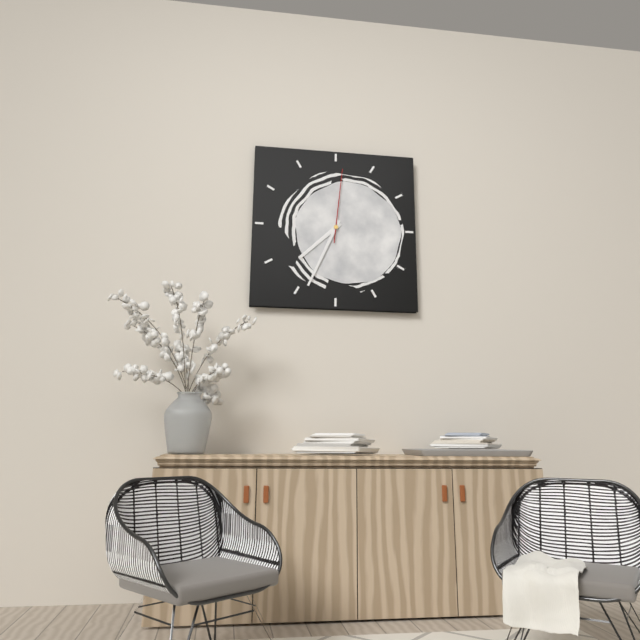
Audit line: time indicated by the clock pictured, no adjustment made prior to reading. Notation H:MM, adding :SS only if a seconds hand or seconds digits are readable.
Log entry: 7:34:01
